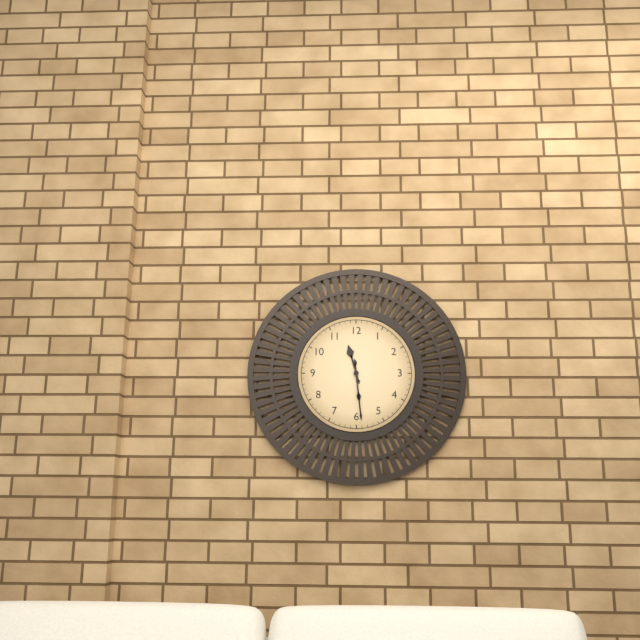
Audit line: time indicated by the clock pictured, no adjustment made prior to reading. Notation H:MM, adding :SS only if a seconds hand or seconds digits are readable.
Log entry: 11:29
